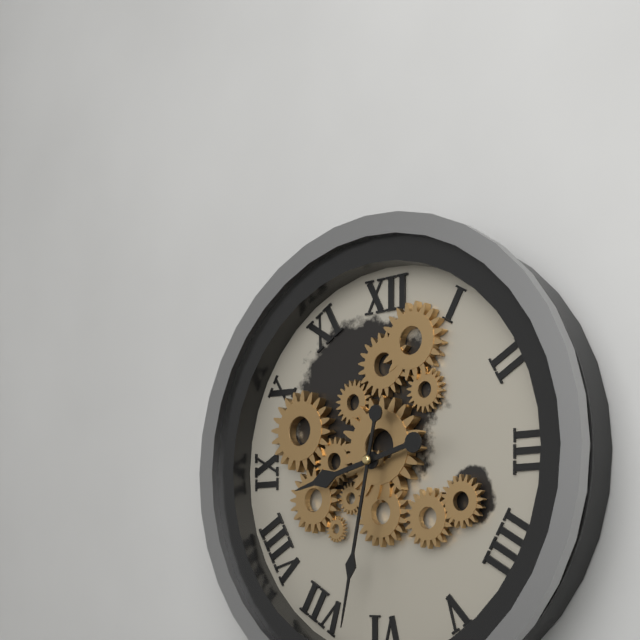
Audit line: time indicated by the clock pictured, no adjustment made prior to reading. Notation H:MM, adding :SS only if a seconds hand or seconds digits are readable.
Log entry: 8:32
